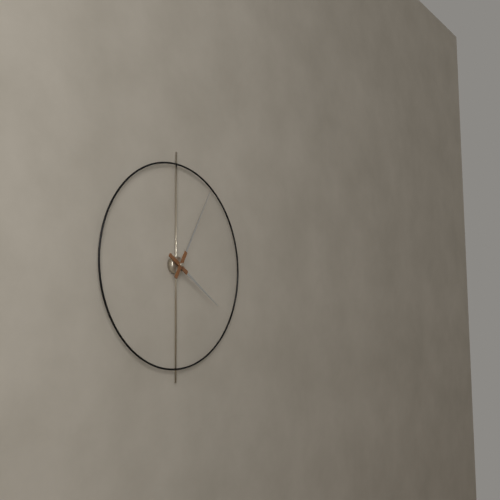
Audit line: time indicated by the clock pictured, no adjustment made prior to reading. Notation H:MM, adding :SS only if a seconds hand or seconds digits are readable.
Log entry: 4:05
